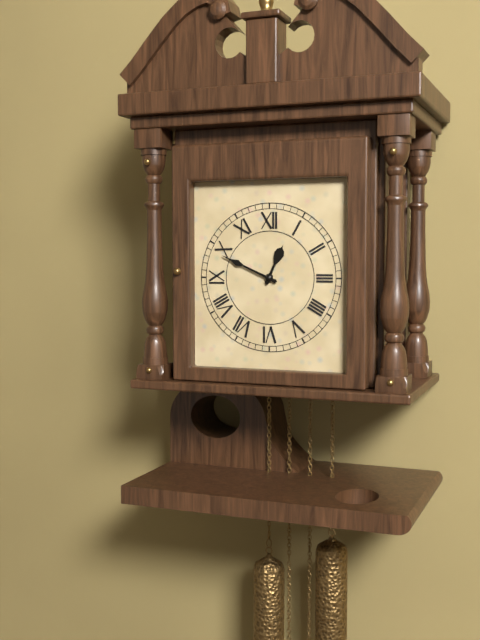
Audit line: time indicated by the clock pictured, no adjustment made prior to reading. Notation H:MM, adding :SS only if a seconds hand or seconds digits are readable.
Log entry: 12:49
